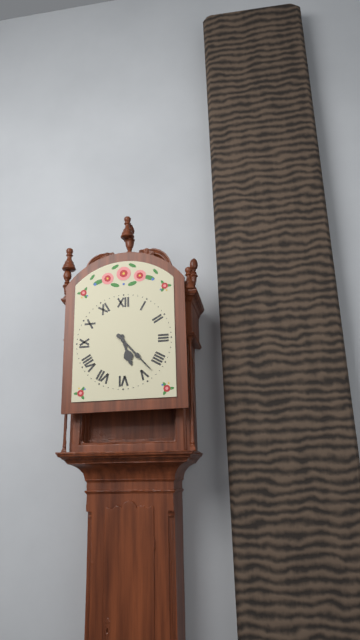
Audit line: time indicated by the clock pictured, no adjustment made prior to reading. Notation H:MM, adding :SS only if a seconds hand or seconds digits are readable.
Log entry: 5:23
